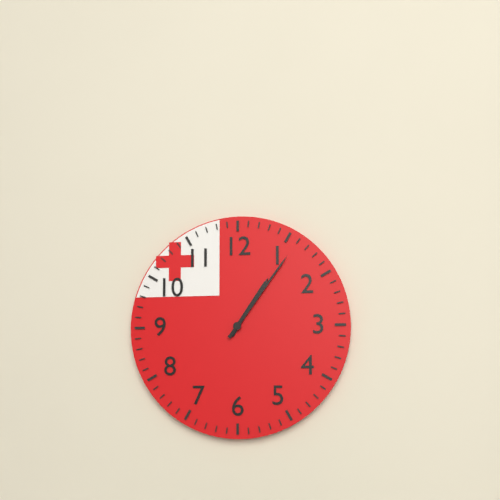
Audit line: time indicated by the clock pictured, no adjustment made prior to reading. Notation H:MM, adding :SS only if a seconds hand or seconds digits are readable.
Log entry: 1:06
